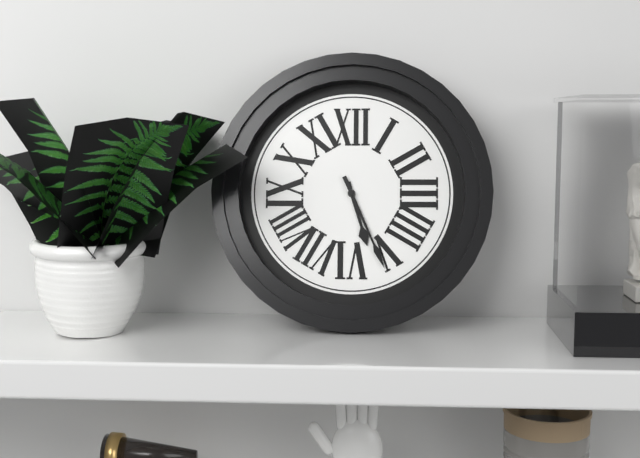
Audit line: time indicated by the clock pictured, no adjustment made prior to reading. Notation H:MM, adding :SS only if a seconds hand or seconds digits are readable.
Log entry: 5:26
